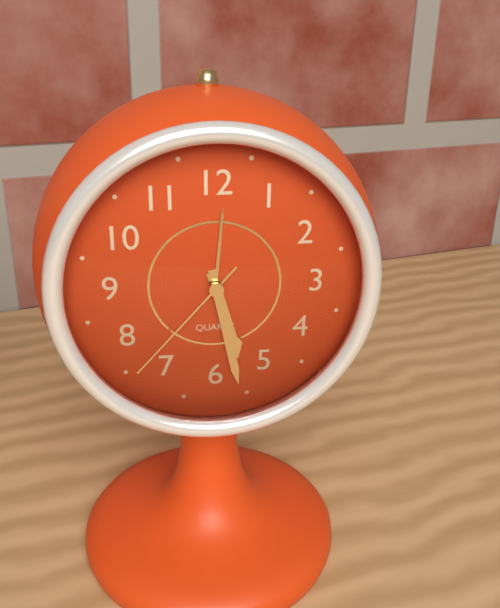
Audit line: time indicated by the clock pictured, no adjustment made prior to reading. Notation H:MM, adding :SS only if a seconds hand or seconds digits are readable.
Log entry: 5:28:37
